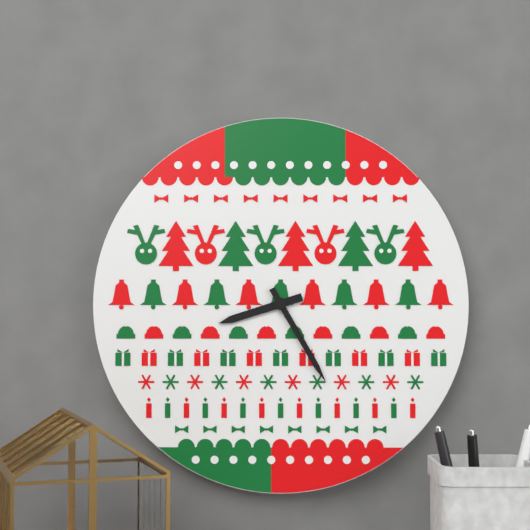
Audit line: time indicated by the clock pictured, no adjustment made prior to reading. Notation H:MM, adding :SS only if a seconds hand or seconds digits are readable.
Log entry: 8:25
